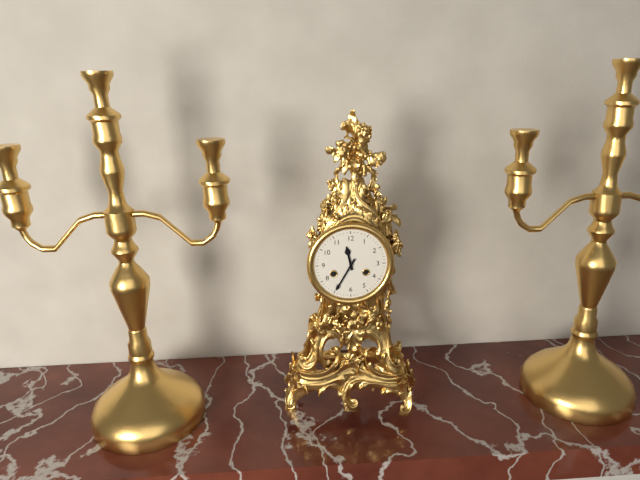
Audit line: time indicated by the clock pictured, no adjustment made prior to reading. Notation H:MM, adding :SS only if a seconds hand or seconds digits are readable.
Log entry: 11:35
